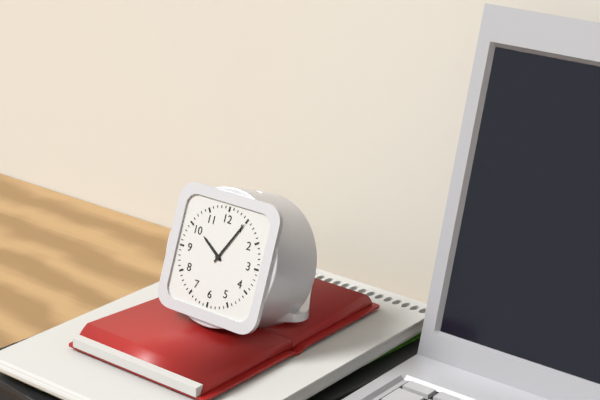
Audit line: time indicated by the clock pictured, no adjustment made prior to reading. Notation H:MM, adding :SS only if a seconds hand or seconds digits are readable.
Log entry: 10:05
